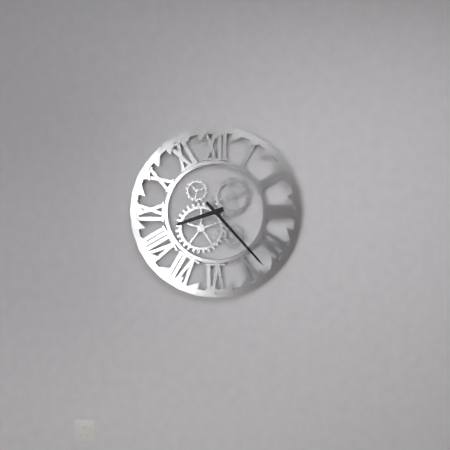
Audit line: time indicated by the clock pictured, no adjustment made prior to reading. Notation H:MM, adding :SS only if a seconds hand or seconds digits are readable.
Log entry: 8:23
